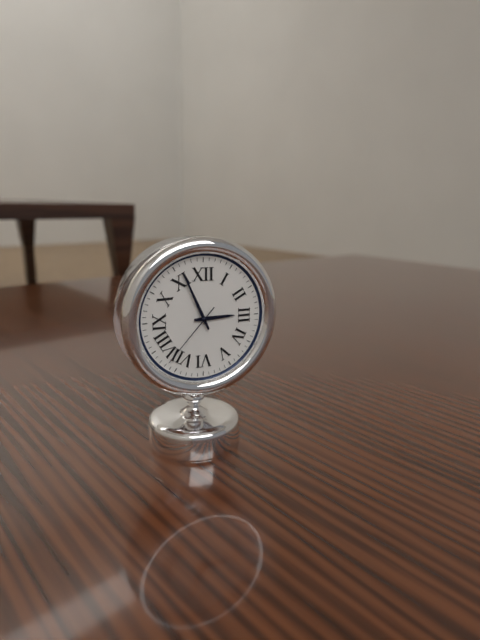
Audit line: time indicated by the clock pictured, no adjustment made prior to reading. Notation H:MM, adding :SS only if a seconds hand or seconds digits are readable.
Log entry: 2:56:37
